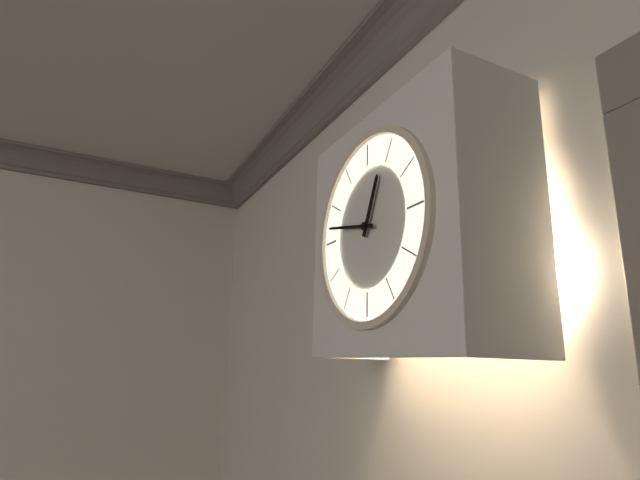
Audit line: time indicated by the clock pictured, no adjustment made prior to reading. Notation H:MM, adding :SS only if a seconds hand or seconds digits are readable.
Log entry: 12:47
